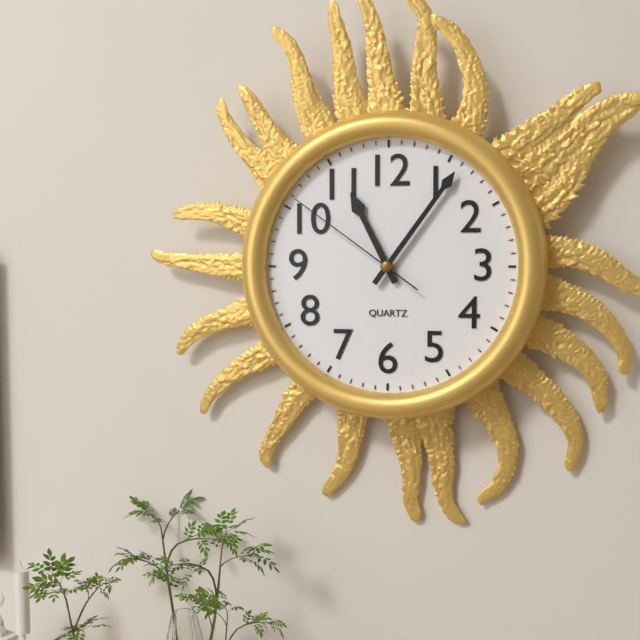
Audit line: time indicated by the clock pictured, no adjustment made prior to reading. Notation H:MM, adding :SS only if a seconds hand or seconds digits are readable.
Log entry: 11:06:51
